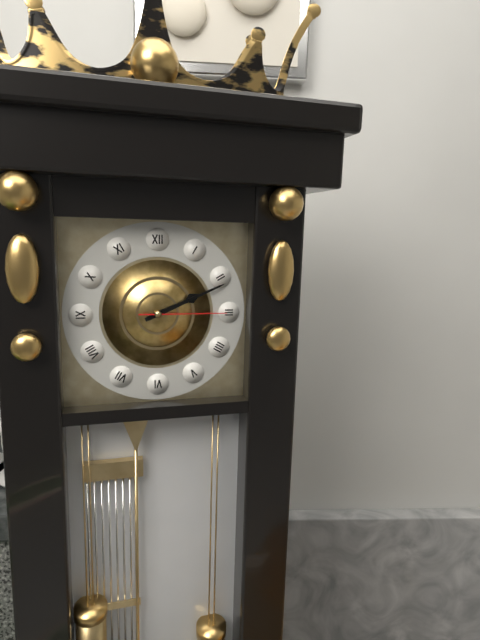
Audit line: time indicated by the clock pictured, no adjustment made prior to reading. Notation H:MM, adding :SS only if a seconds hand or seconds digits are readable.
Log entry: 2:11:15
